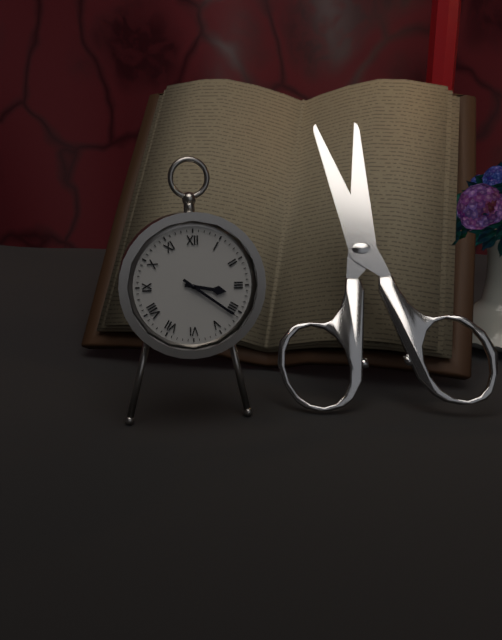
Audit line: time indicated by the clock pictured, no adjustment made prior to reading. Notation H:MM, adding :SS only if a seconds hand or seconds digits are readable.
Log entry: 3:21
